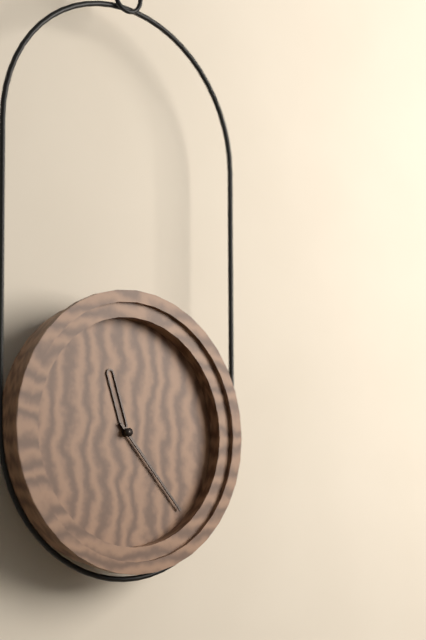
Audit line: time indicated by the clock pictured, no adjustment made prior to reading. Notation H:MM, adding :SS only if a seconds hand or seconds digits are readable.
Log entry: 11:23
